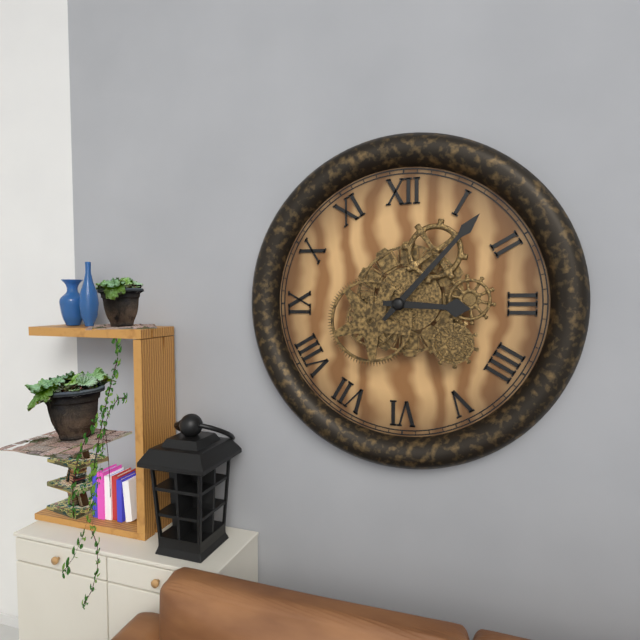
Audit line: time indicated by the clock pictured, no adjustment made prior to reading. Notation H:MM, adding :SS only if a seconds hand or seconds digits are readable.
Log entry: 3:07
